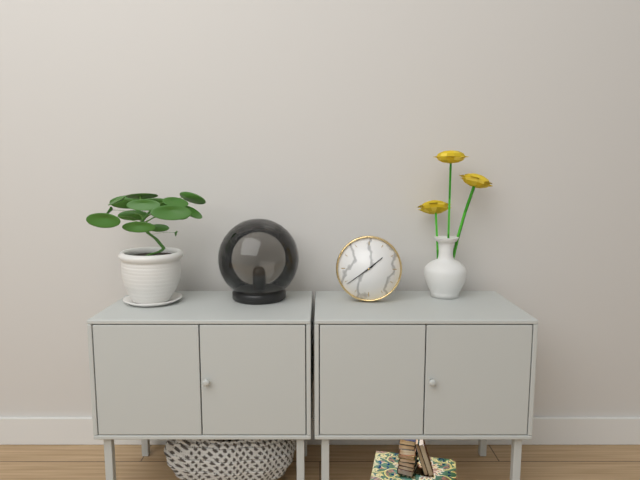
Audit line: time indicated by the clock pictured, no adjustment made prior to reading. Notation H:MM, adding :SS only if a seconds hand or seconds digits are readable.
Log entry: 1:39
